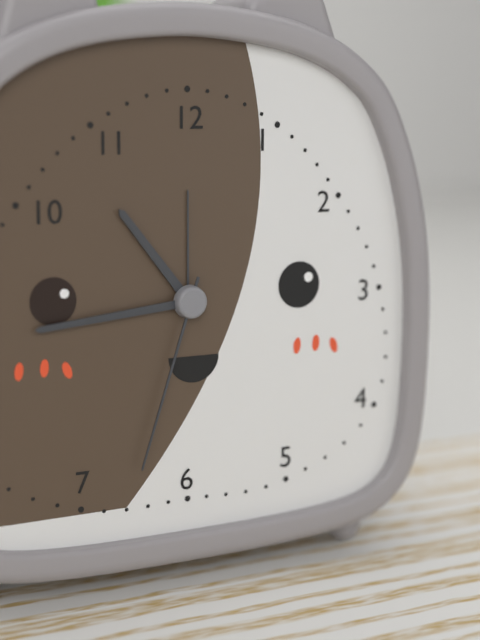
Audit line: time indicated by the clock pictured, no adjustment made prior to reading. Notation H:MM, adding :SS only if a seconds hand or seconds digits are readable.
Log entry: 10:44:33
